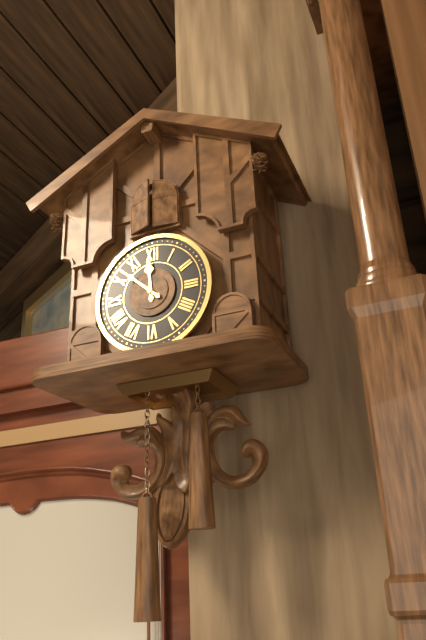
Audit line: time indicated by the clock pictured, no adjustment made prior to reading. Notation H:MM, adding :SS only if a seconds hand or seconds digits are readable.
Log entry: 11:52
